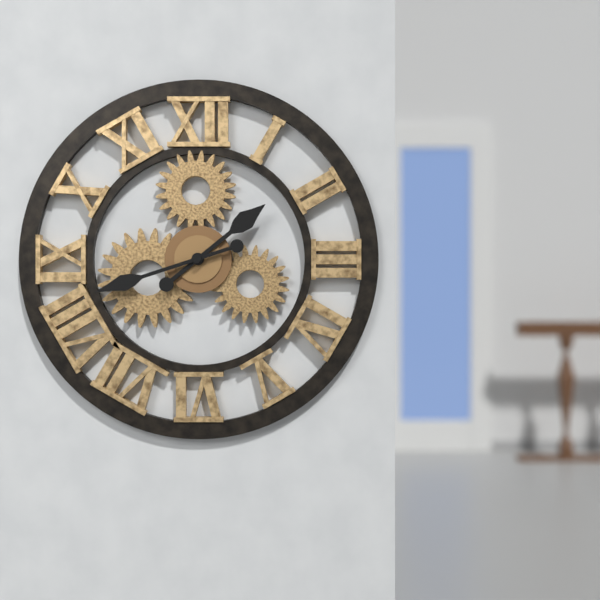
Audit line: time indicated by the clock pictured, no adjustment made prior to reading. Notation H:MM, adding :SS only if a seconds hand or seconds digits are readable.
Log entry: 1:42
